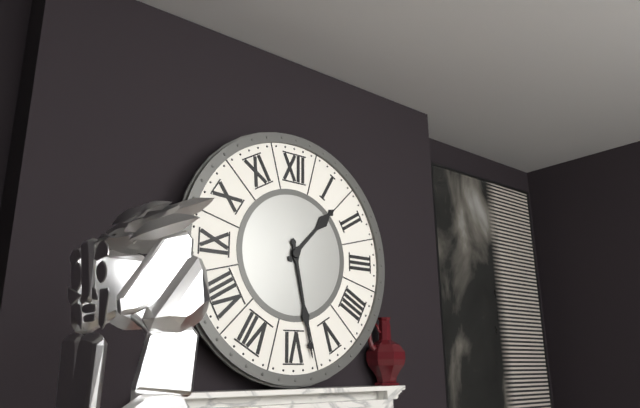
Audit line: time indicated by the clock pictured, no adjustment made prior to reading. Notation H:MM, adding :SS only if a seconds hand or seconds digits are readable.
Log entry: 1:28
